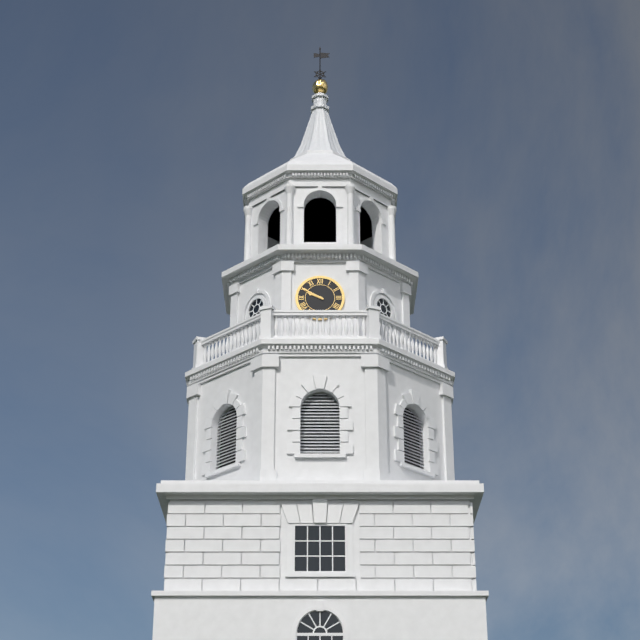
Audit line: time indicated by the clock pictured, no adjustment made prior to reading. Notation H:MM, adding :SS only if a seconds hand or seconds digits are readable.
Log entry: 9:50
